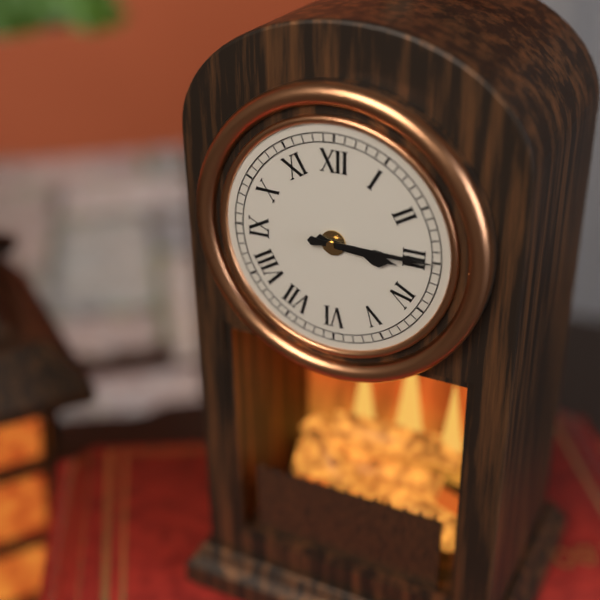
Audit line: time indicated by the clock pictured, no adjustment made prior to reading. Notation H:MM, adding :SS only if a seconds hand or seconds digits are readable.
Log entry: 3:15
